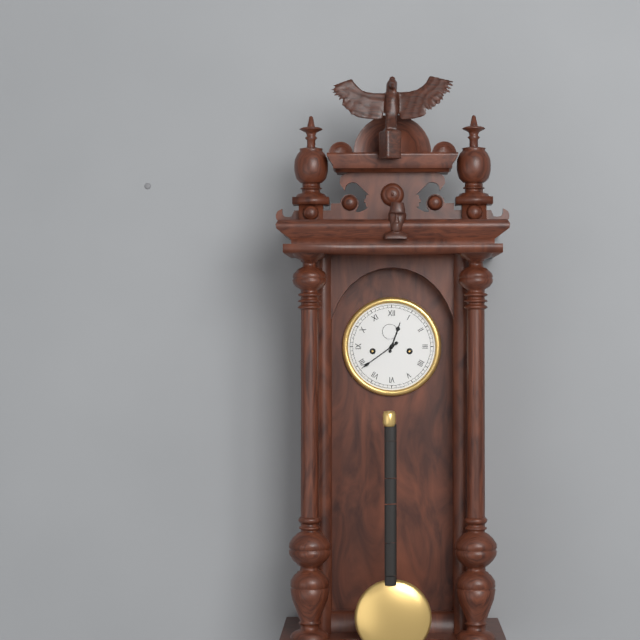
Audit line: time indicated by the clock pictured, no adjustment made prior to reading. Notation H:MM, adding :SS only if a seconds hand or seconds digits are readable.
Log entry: 12:39
